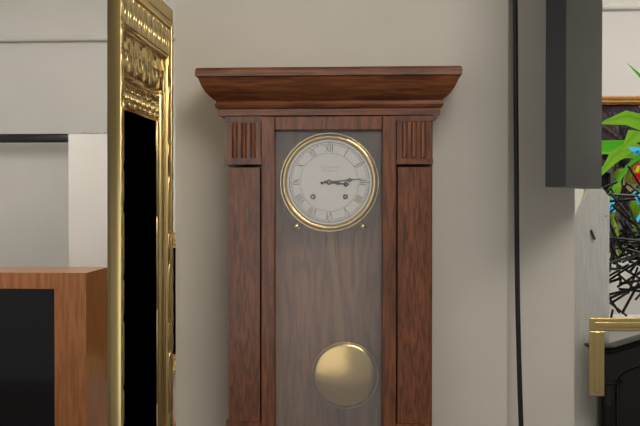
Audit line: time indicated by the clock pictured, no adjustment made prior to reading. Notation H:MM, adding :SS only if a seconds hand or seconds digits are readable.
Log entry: 3:14
